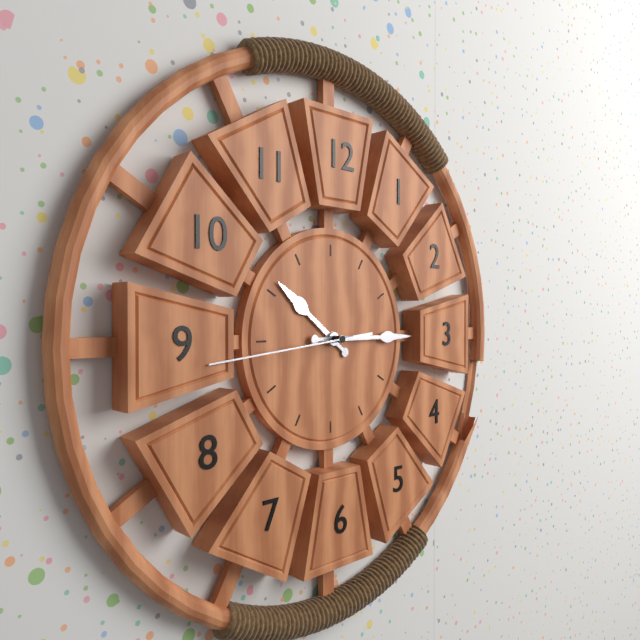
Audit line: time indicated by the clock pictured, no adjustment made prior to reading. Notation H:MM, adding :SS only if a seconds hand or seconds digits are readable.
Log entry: 10:15:44
